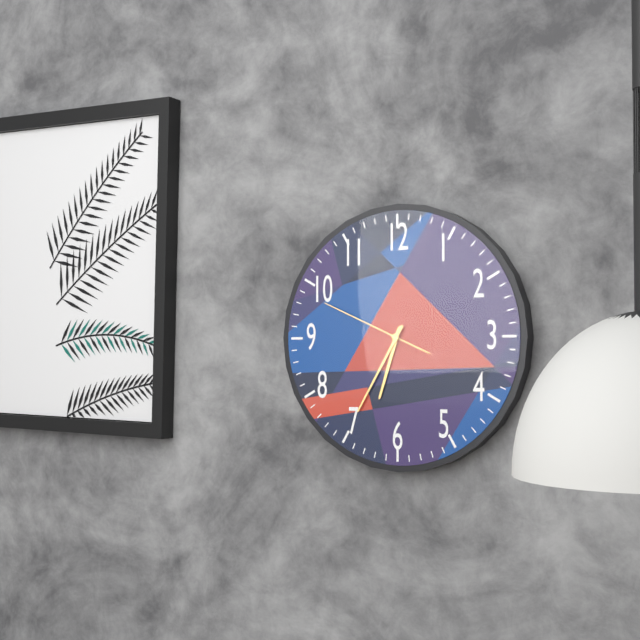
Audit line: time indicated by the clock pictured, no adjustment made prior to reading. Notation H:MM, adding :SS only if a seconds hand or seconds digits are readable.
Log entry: 6:35:49
